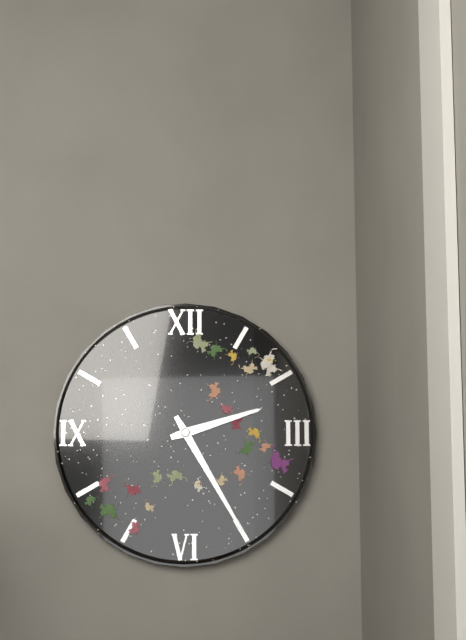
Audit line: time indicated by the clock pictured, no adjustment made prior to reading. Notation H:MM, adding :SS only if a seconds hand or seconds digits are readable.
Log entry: 2:25
